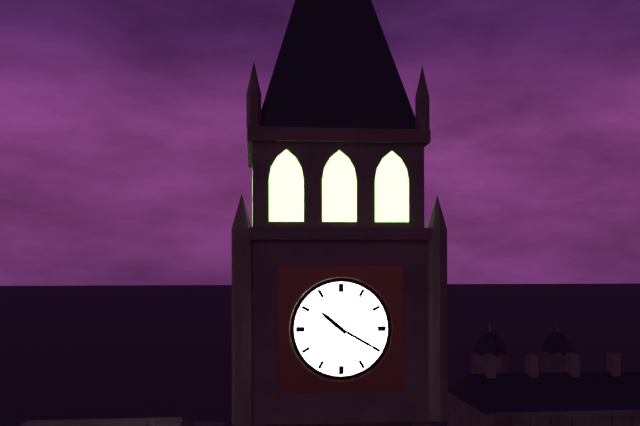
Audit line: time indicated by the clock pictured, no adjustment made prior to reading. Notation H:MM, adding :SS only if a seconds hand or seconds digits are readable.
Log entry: 10:20
